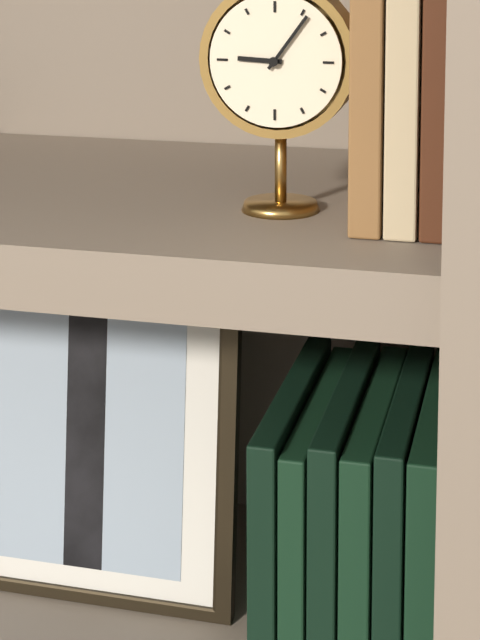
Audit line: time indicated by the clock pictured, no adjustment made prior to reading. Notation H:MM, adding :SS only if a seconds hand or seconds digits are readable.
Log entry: 9:06
